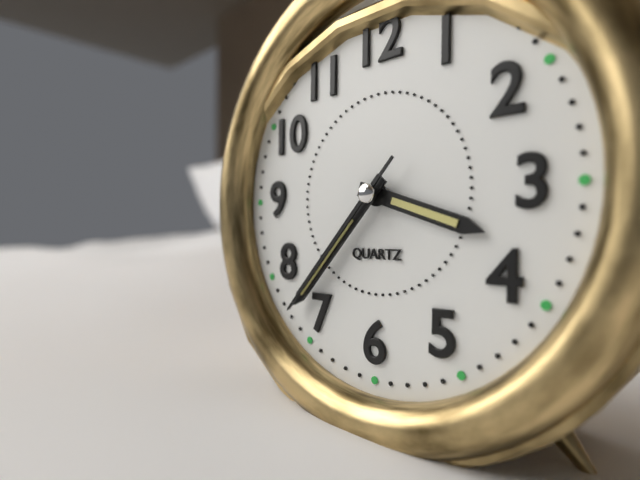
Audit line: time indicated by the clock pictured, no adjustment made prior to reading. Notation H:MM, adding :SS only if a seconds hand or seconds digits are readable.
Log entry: 3:37:37
